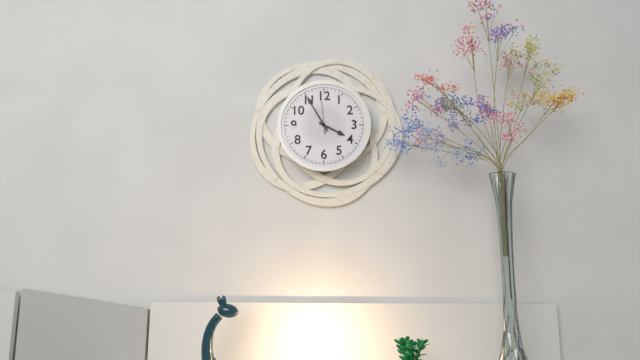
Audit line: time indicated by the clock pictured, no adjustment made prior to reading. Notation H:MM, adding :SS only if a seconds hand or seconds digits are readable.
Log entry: 3:55:59
